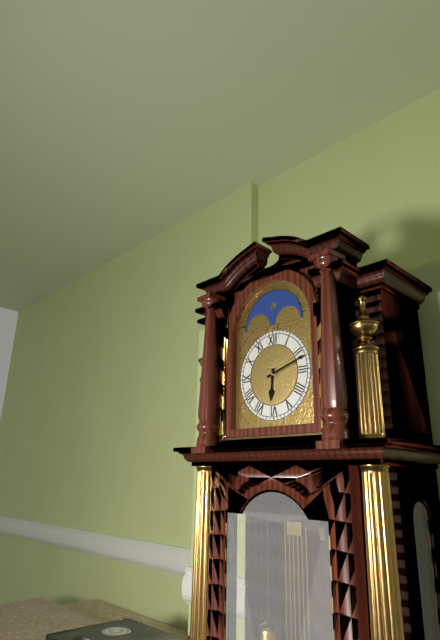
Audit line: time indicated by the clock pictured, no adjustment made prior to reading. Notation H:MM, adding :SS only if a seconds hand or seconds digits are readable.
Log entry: 6:12
